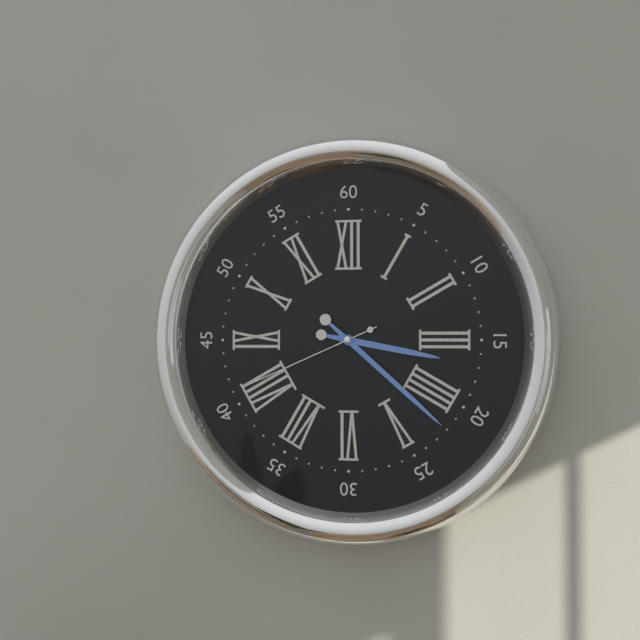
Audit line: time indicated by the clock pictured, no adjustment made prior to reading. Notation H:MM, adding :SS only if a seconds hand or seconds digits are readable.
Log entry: 3:22:41
